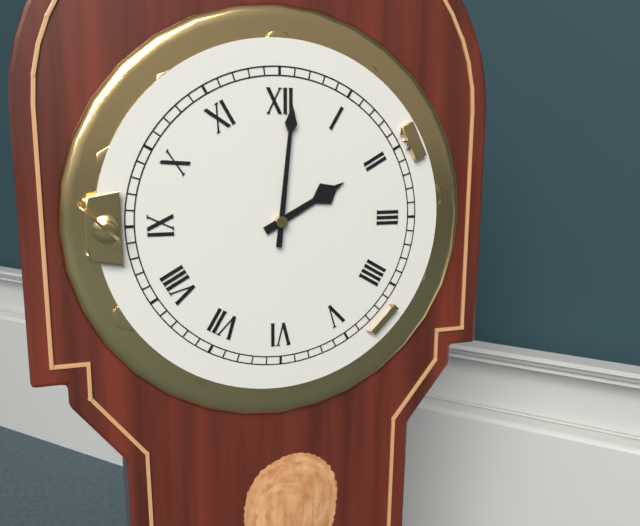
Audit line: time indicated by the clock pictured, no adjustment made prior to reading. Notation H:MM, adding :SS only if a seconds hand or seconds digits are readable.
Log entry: 2:01
